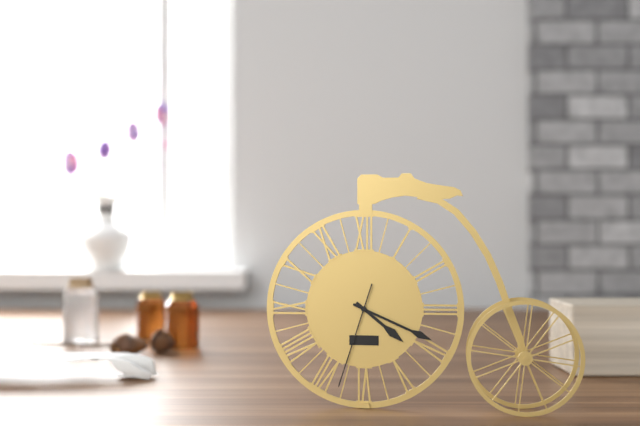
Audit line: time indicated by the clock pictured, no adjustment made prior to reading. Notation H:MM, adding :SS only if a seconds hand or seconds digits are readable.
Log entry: 4:19:33
